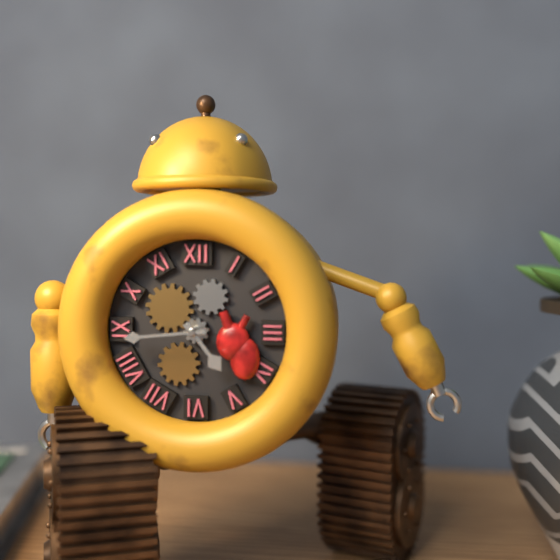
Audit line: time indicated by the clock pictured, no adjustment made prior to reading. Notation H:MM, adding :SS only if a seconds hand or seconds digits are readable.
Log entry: 4:44
